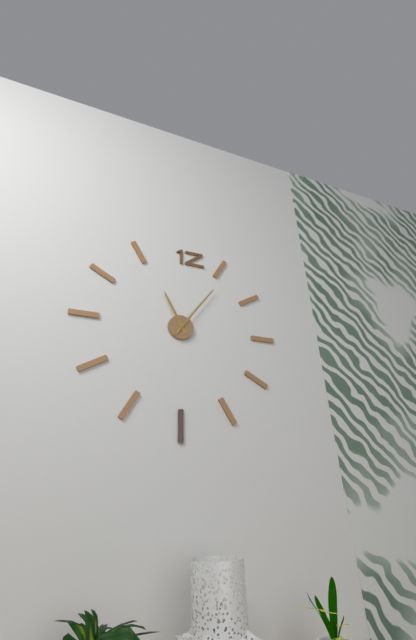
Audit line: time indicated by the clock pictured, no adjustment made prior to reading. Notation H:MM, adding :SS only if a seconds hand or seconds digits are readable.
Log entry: 11:06
